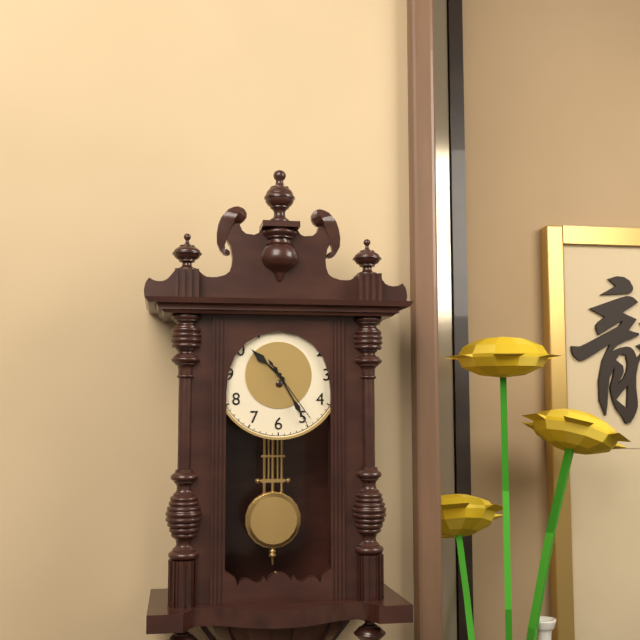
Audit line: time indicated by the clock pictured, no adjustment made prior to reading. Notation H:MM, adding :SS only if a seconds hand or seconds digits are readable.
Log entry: 10:25:24
